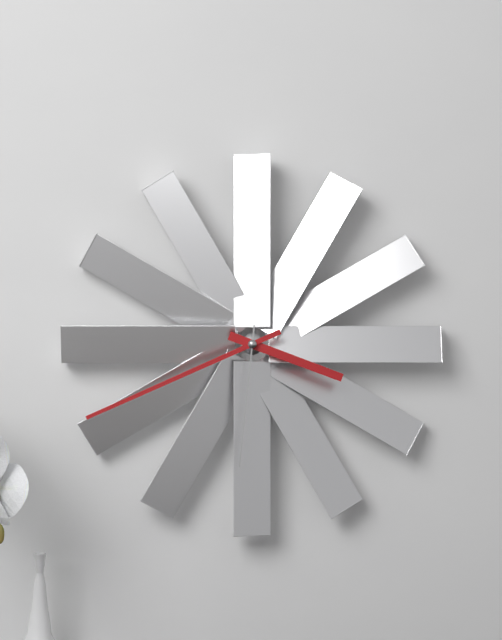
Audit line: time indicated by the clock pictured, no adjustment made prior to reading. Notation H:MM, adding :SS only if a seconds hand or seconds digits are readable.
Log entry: 3:41:31
